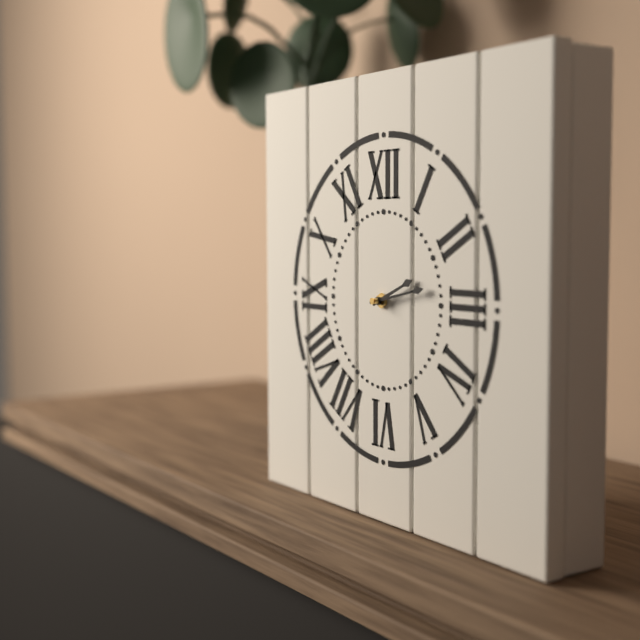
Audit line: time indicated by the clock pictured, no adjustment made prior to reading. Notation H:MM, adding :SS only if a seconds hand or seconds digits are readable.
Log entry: 2:13
